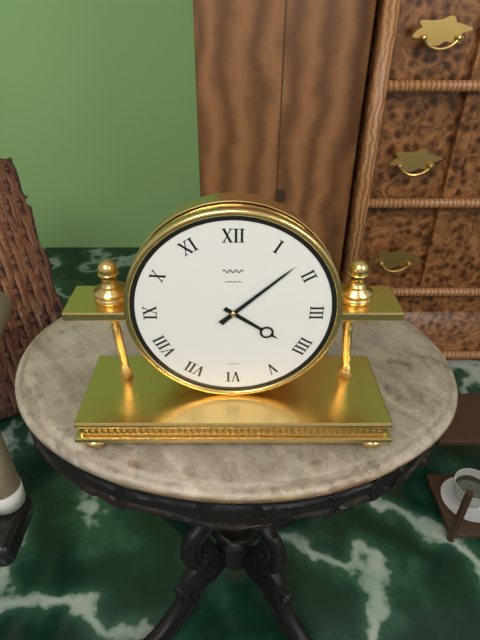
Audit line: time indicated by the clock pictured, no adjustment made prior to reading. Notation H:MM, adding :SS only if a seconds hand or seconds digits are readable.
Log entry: 4:08
